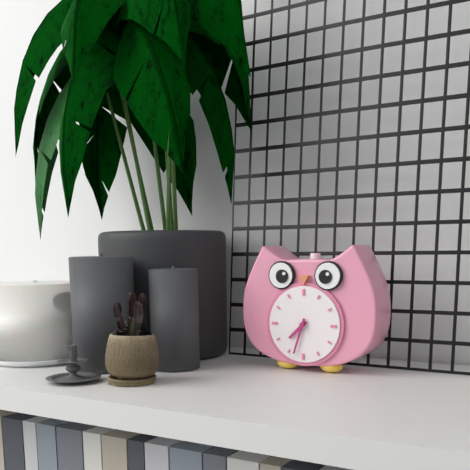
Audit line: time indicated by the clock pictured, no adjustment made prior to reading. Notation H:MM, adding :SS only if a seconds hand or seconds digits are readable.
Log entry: 7:33
